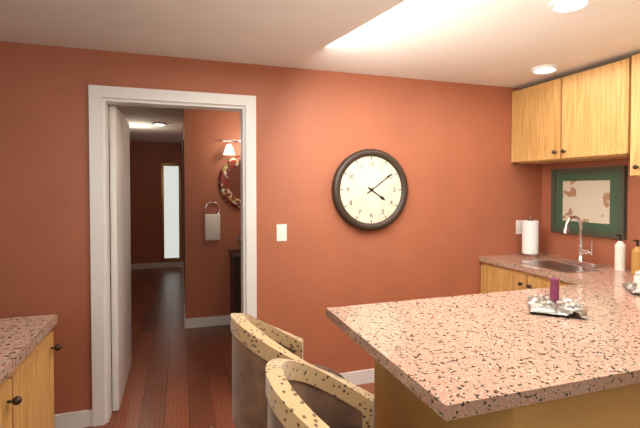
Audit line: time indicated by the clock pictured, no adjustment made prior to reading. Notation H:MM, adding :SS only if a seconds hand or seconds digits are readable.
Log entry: 4:09
